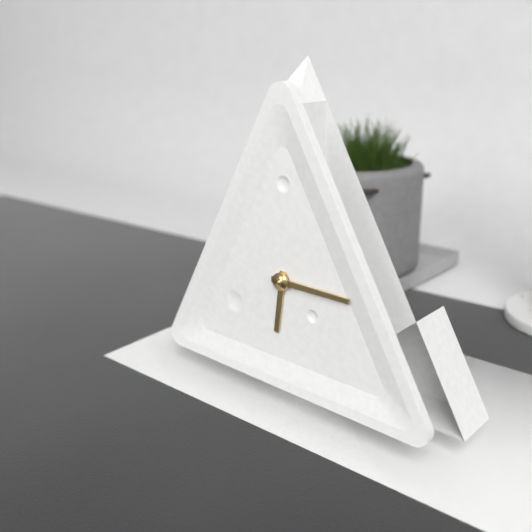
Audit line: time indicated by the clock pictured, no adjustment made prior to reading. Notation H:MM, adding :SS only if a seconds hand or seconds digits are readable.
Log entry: 6:15
